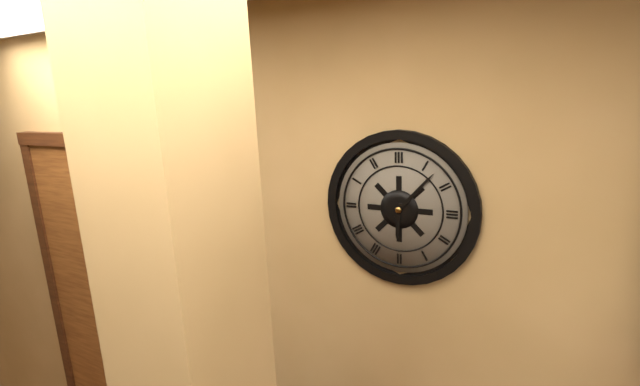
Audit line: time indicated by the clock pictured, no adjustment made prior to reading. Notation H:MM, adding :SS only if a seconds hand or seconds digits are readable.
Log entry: 6:07
